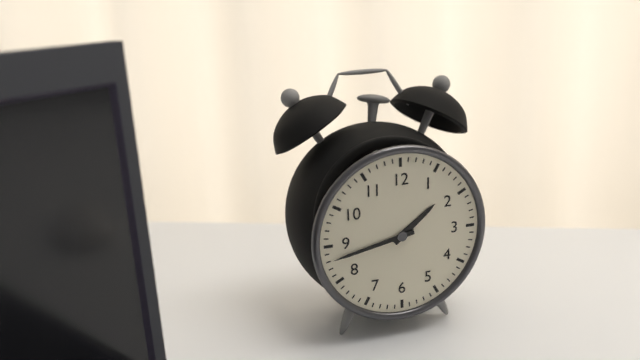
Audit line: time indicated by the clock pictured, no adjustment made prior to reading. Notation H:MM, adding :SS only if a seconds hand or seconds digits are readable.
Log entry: 1:43
